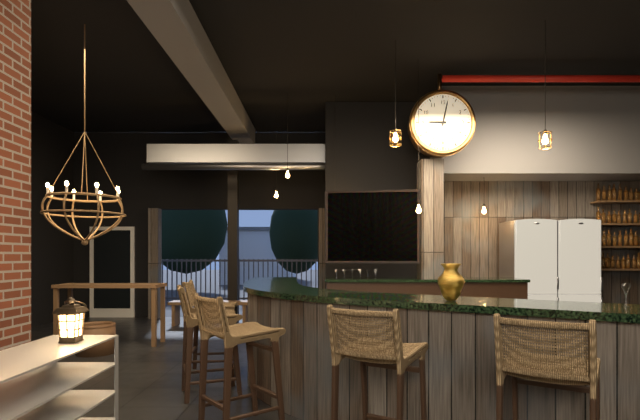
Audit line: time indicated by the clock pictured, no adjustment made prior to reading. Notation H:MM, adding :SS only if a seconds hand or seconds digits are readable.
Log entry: 9:02
